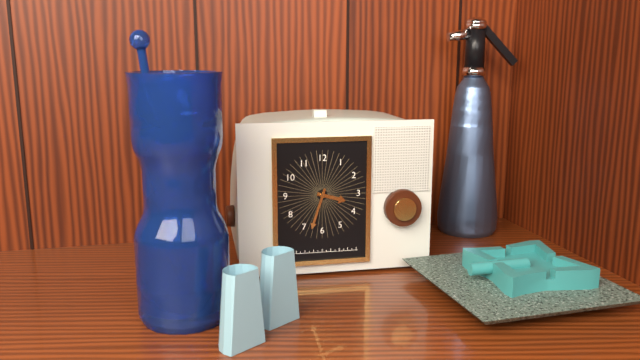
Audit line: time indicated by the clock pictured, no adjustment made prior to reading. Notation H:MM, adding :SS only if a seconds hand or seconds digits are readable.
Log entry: 3:33
